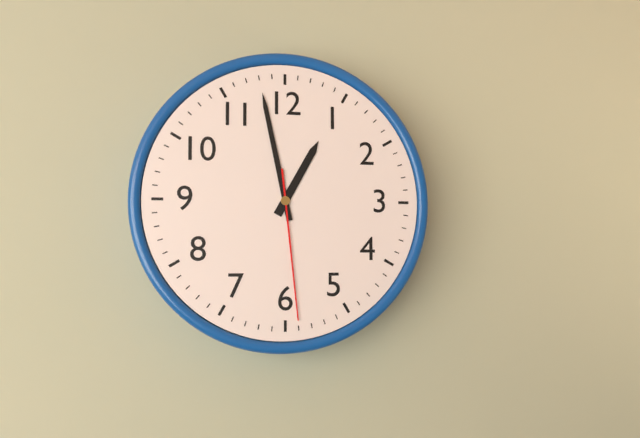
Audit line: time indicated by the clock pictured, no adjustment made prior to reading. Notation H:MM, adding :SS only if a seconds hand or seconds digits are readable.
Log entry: 12:58:29
